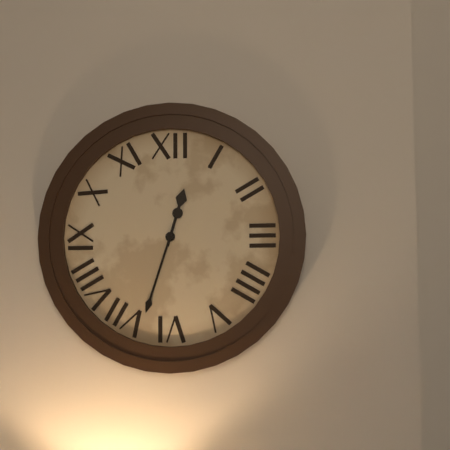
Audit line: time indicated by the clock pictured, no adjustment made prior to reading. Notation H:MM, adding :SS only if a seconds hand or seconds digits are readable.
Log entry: 12:33
